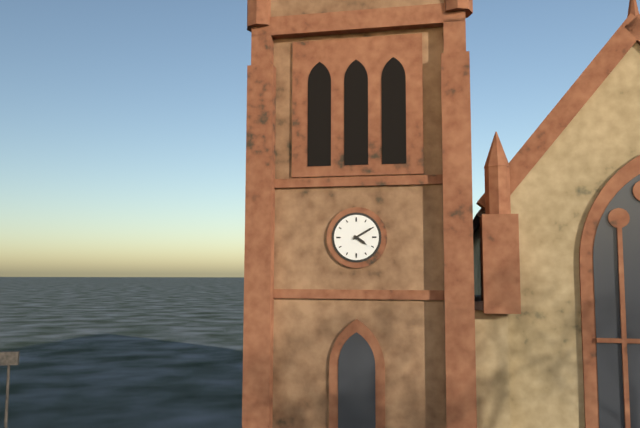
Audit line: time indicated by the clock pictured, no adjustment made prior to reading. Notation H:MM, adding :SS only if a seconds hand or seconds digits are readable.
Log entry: 4:10
